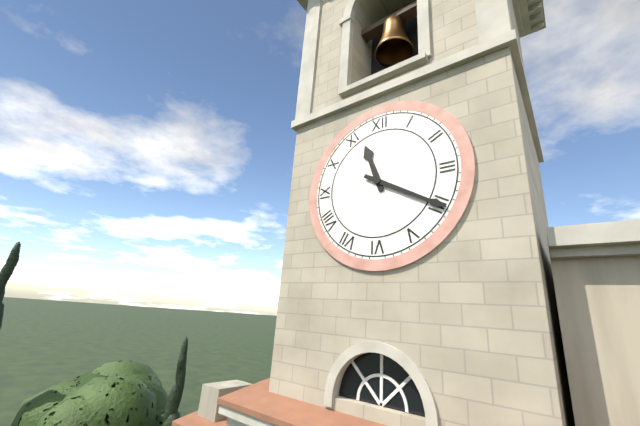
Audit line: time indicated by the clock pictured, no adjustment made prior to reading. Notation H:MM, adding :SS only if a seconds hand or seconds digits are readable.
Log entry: 11:20
